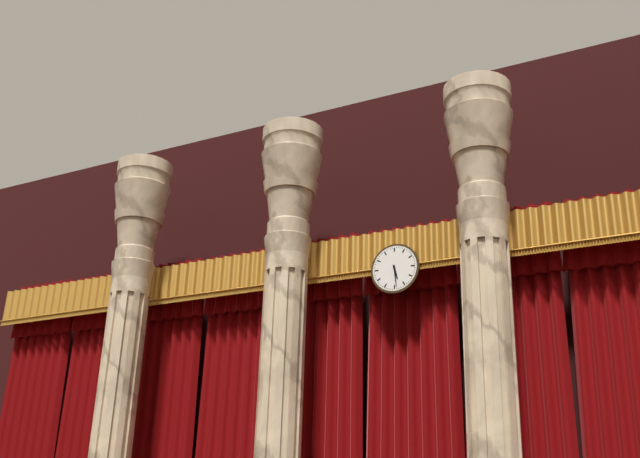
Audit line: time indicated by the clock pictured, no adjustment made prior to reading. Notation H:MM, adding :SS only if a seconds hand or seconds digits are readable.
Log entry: 5:29
